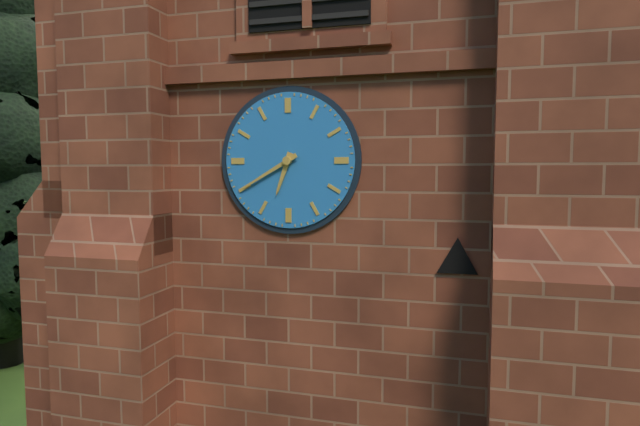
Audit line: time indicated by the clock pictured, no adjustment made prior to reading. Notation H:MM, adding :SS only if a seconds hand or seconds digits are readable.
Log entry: 6:40
